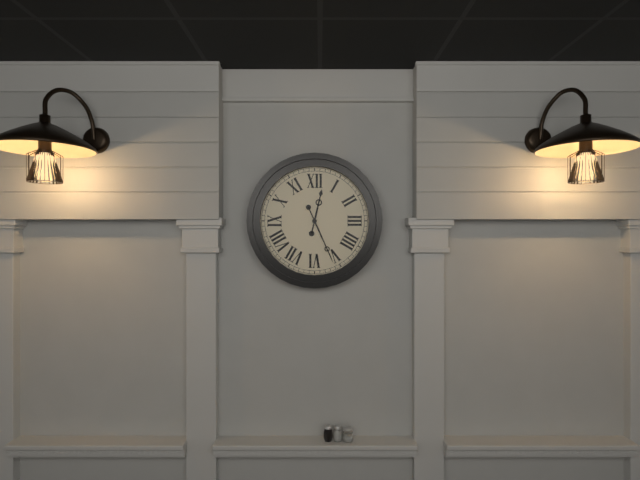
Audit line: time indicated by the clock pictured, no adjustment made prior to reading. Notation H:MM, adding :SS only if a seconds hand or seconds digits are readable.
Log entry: 12:26
